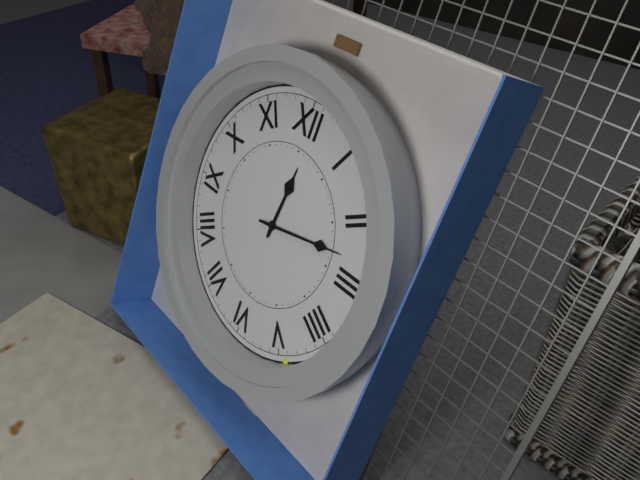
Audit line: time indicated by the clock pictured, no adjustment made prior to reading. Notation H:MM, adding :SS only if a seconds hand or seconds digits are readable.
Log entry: 12:13
